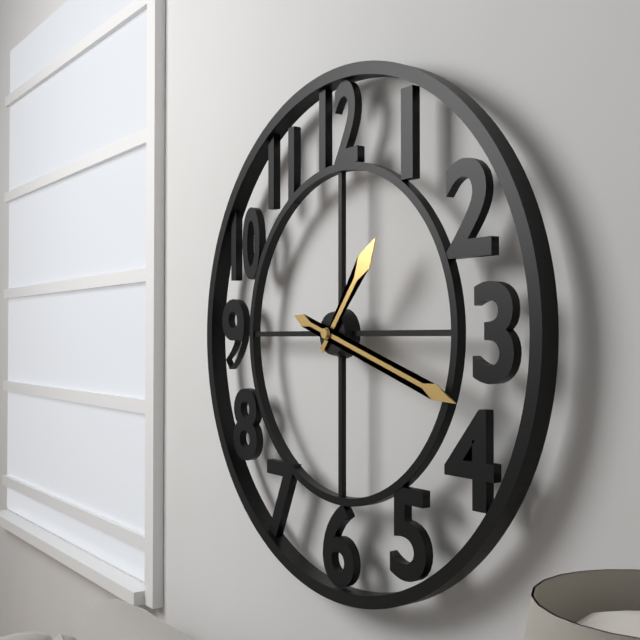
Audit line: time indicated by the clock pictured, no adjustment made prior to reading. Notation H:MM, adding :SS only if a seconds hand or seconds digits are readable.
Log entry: 1:18
